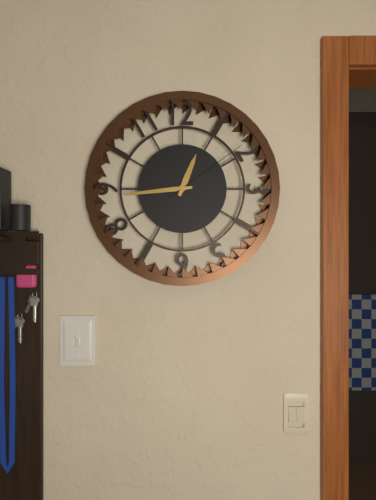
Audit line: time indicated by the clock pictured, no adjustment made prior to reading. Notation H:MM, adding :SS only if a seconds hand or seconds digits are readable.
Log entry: 12:44:09
